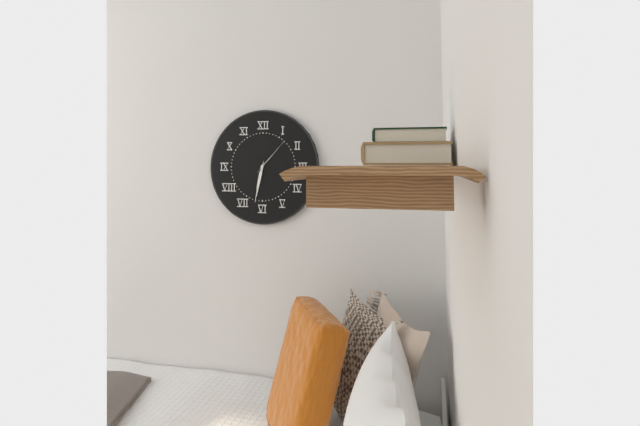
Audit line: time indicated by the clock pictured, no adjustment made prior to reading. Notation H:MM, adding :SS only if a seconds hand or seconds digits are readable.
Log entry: 6:32
